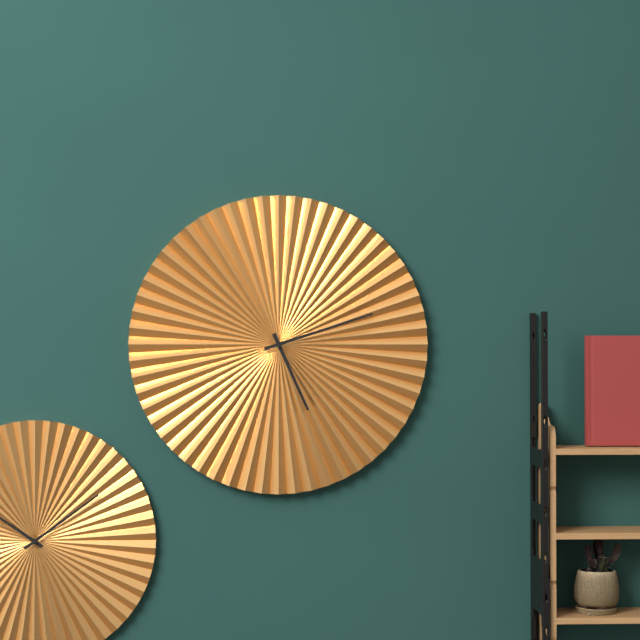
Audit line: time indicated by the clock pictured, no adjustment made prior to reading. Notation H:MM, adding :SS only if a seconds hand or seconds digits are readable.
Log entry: 5:12
